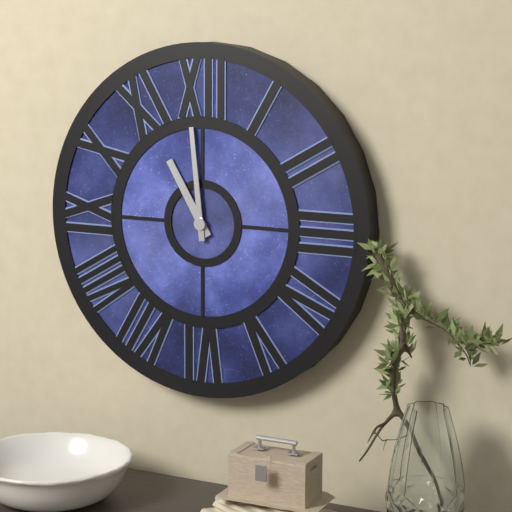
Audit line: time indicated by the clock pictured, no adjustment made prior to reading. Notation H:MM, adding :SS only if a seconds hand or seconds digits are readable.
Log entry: 10:59
